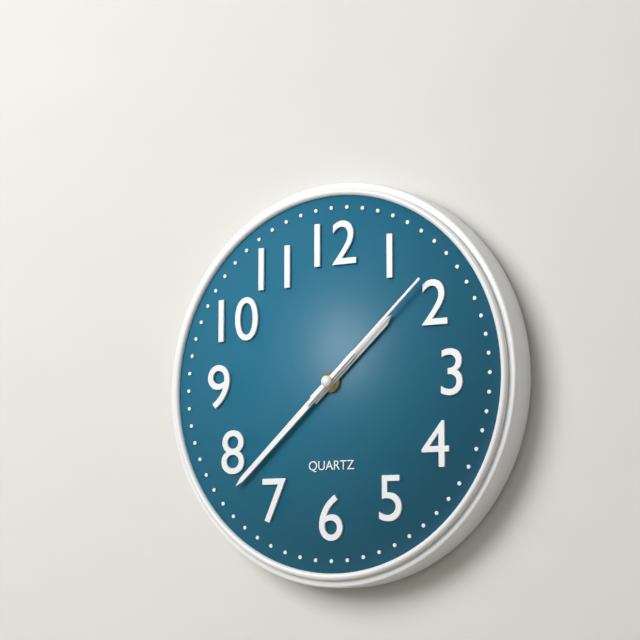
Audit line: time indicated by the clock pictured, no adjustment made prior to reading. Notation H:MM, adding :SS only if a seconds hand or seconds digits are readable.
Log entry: 1:38:08
